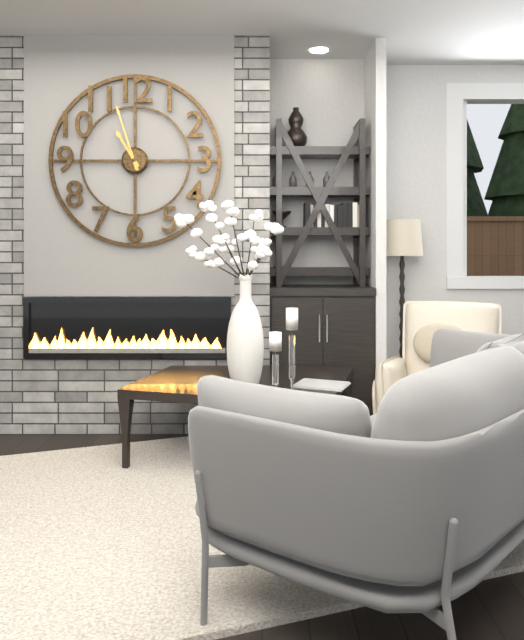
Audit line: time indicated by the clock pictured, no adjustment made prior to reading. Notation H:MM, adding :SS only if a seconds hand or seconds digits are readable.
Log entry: 10:57
